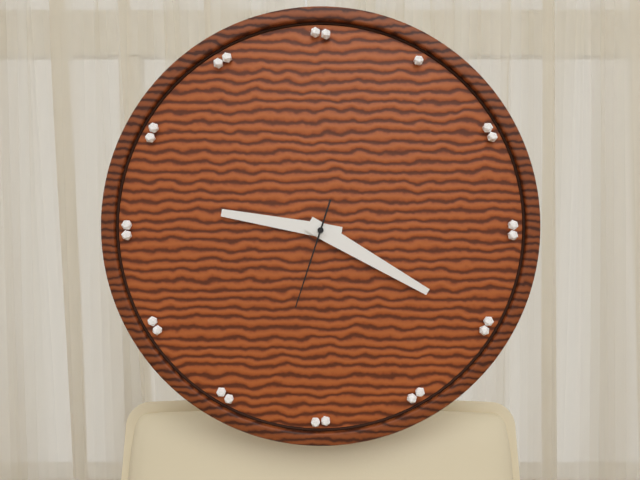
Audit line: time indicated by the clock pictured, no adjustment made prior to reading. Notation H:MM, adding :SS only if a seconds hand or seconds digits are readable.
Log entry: 9:20:33
